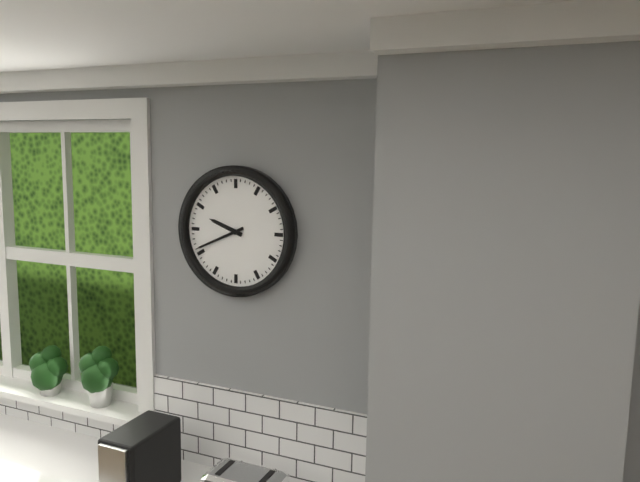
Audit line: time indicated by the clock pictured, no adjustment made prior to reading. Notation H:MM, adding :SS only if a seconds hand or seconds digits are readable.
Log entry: 9:41
